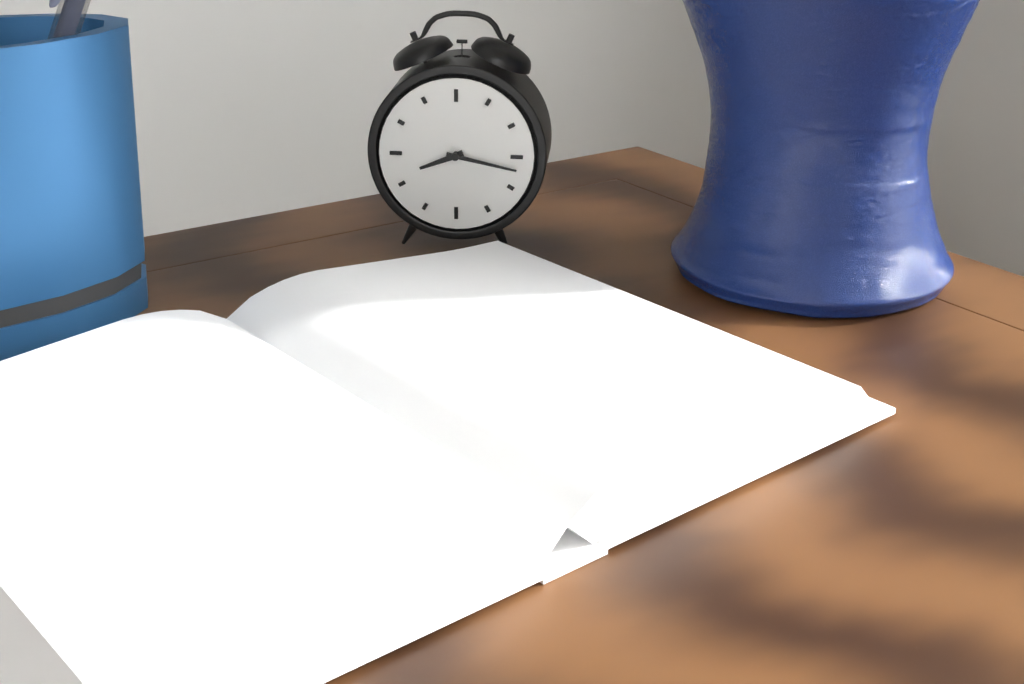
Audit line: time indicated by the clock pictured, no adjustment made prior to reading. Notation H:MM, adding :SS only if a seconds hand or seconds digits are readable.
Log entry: 8:17
